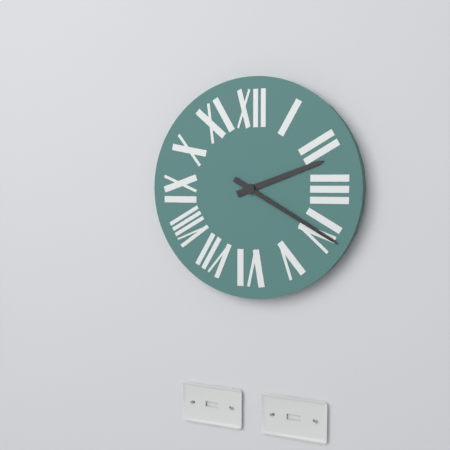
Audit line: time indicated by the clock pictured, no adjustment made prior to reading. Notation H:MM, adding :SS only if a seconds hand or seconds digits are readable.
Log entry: 2:20
